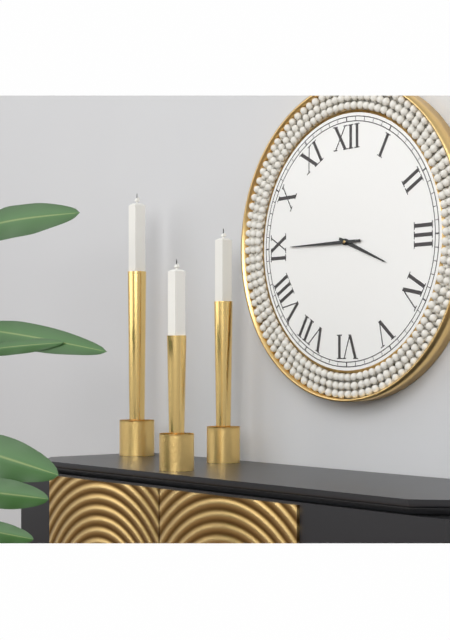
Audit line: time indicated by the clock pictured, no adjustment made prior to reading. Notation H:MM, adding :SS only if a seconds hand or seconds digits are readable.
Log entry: 3:45
